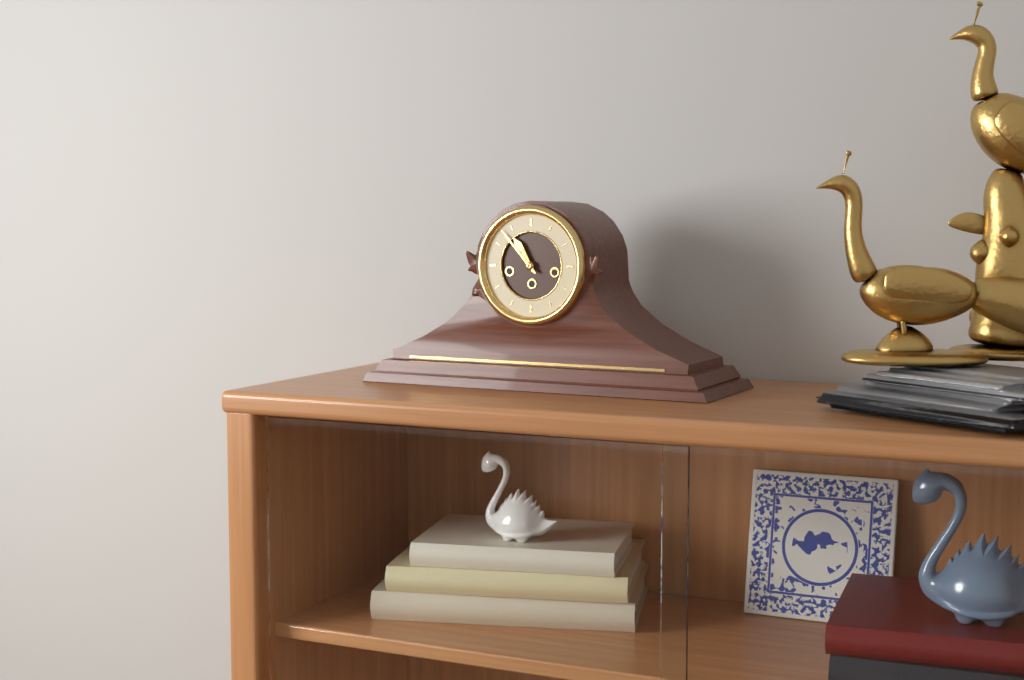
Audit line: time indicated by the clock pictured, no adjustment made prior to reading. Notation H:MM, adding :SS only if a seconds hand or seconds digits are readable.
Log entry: 10:53
